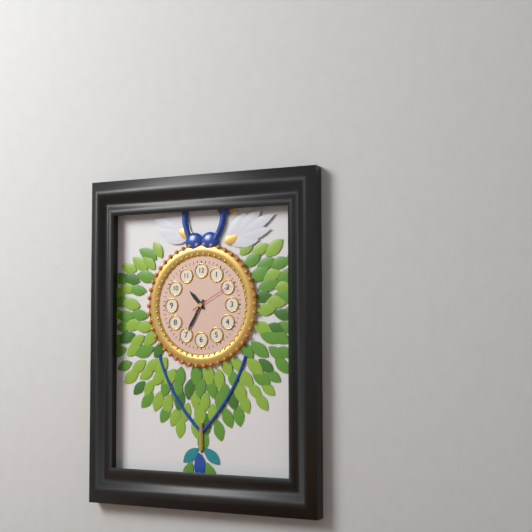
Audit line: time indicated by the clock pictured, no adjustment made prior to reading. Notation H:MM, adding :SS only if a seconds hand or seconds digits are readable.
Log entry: 10:35
